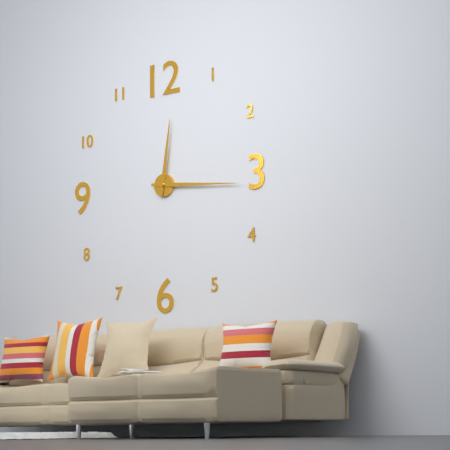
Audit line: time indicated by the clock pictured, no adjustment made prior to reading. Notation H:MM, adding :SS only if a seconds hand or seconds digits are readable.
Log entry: 12:16
